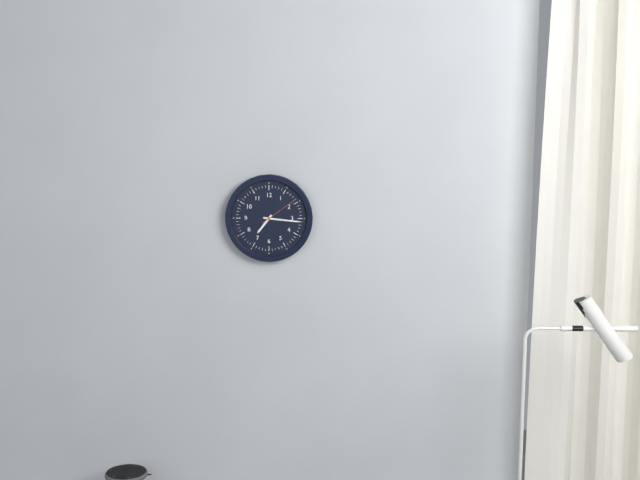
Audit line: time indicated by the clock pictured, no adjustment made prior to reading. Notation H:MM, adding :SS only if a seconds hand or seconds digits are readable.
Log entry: 7:16
